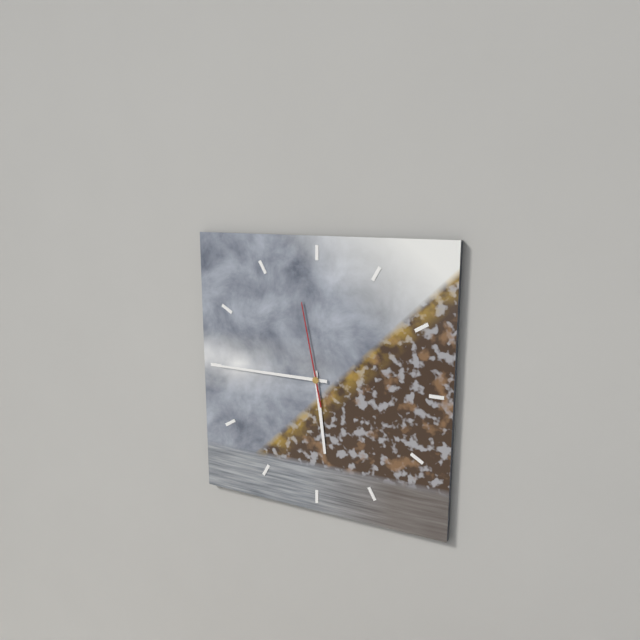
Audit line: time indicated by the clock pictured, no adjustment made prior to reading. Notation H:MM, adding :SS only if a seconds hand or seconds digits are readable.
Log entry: 5:45:58
